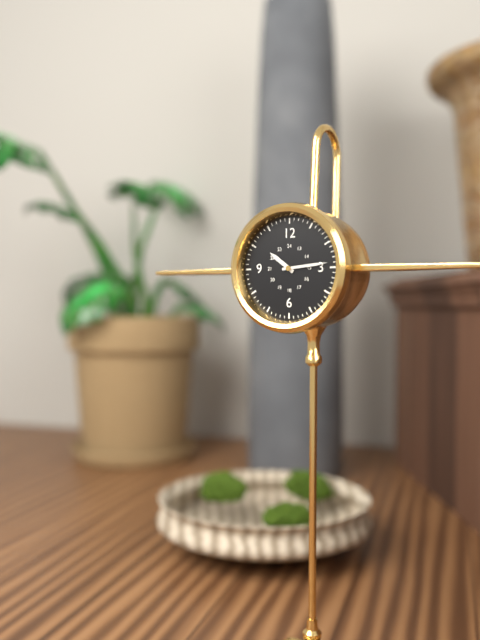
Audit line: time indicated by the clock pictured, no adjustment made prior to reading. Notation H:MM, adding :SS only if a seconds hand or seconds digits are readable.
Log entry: 10:14
